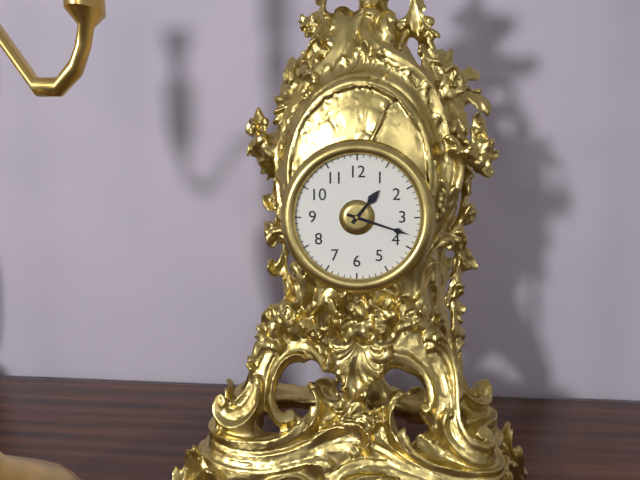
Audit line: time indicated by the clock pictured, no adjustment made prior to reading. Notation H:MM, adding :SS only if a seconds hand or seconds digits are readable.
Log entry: 1:18
